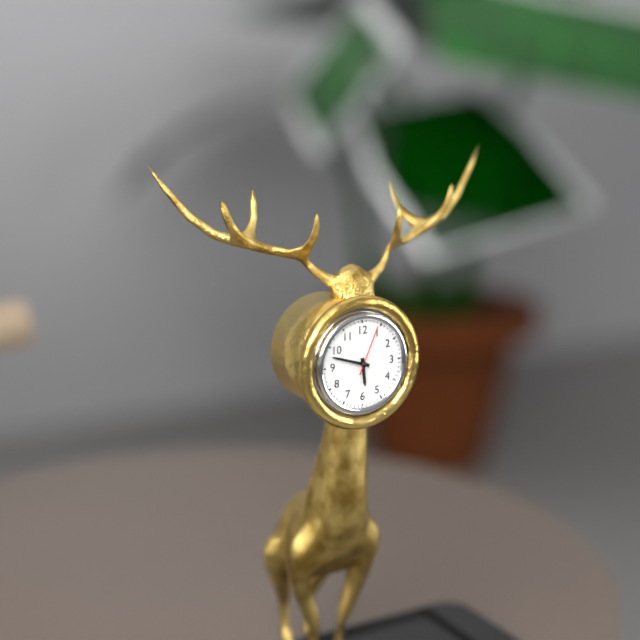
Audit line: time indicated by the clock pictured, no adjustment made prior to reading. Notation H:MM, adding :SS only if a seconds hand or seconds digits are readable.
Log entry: 5:48:04
